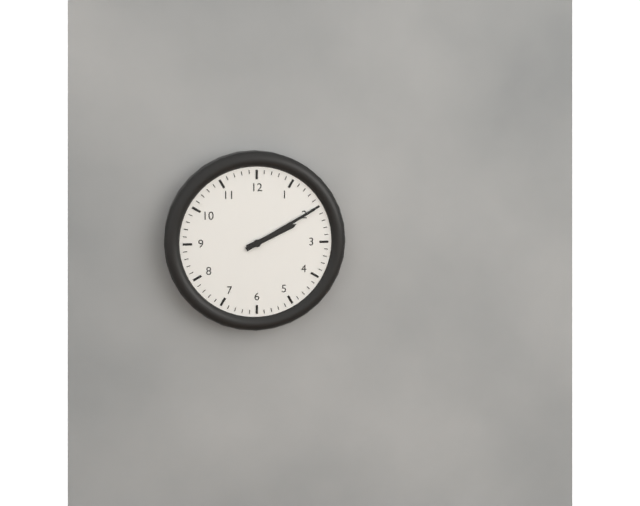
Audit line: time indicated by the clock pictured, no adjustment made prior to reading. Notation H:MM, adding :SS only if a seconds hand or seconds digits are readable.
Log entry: 2:10
